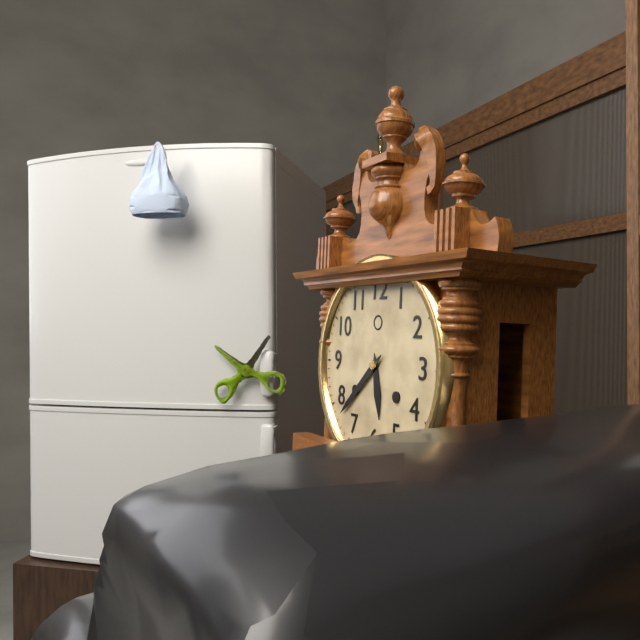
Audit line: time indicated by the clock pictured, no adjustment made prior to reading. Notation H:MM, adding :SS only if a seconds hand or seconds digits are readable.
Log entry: 5:38
